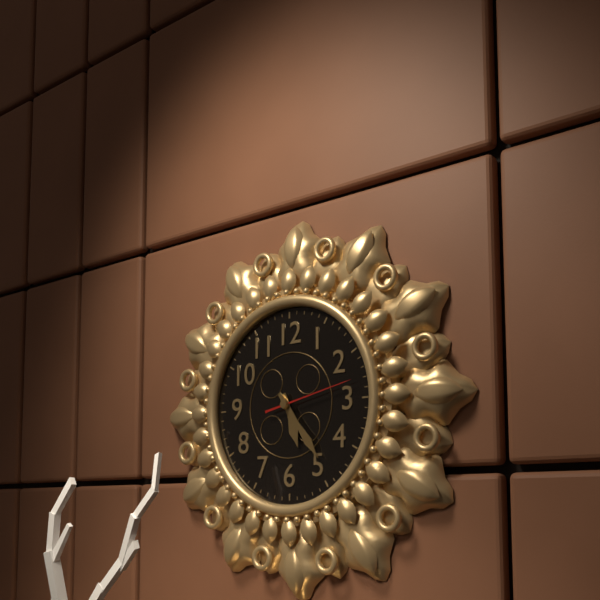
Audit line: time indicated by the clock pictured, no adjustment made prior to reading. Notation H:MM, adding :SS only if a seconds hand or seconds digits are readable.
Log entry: 5:24:13
